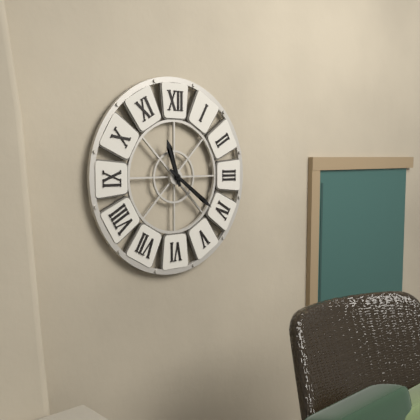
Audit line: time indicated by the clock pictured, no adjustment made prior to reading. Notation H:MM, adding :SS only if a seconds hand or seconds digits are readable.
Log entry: 11:21
